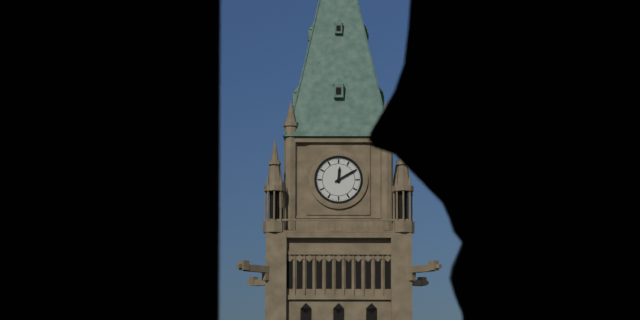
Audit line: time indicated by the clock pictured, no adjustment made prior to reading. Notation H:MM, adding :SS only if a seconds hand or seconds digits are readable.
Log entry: 12:10
